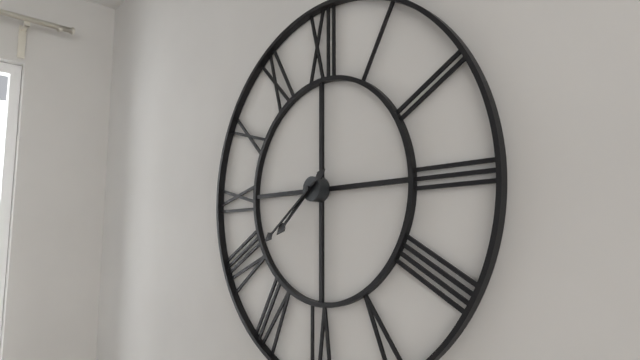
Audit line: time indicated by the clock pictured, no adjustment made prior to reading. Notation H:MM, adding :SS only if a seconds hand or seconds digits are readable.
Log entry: 7:39
